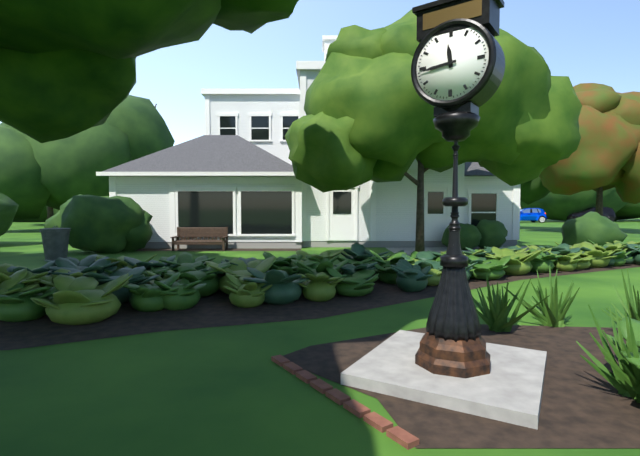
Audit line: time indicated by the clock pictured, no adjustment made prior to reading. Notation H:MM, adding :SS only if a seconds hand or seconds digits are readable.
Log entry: 11:44
